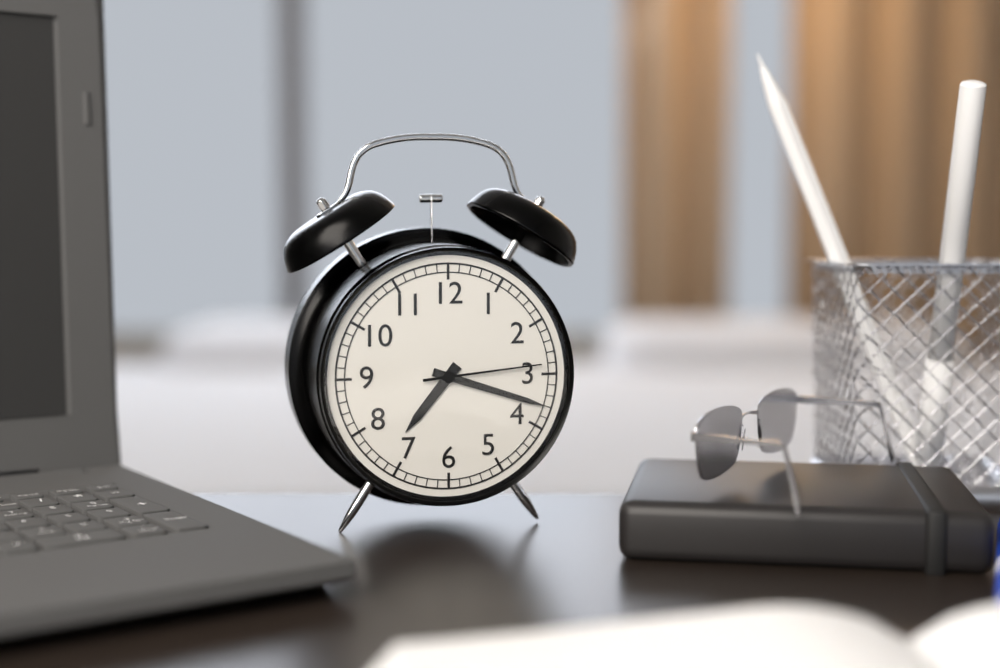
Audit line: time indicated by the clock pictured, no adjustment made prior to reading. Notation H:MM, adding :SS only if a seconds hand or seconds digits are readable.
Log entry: 7:18:14
